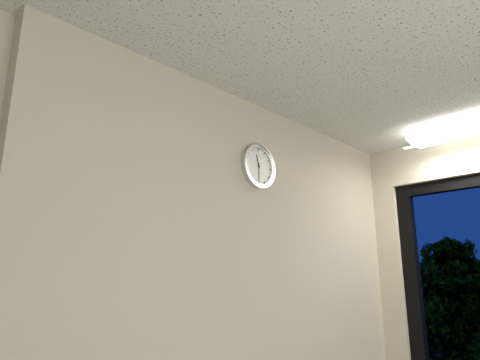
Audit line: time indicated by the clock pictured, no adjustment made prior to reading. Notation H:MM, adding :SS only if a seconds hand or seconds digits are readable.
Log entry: 11:30
